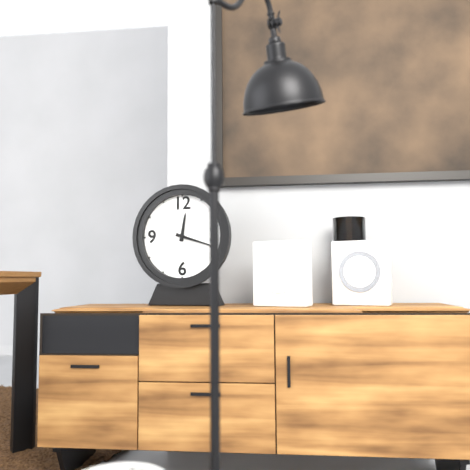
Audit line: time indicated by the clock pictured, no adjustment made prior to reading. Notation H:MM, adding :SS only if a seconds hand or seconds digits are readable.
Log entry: 12:18
